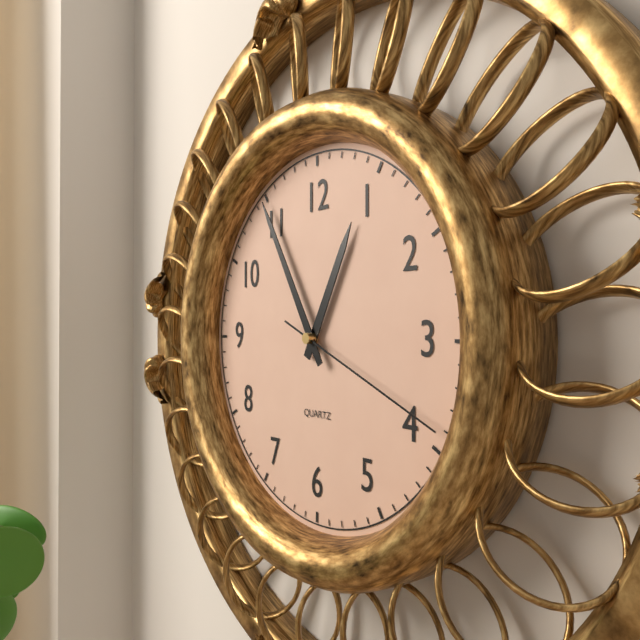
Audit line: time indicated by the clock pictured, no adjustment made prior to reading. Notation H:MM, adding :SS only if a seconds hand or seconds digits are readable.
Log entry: 12:55:19
